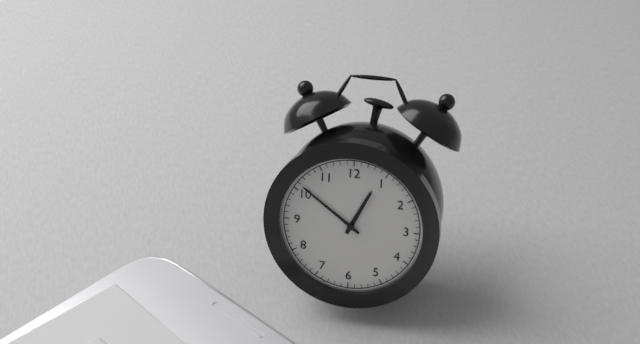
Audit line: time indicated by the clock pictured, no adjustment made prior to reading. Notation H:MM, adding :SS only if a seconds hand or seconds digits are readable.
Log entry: 12:51
